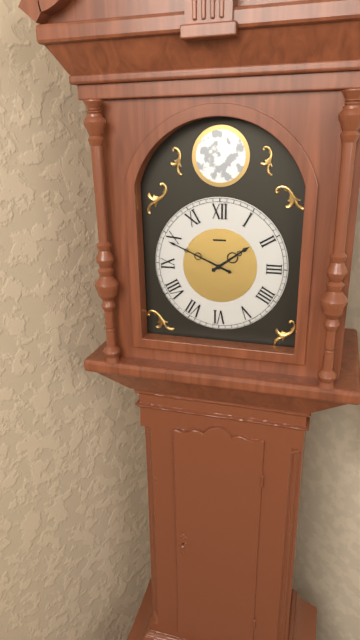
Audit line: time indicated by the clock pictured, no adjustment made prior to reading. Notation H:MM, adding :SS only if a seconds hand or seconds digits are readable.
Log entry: 1:49
